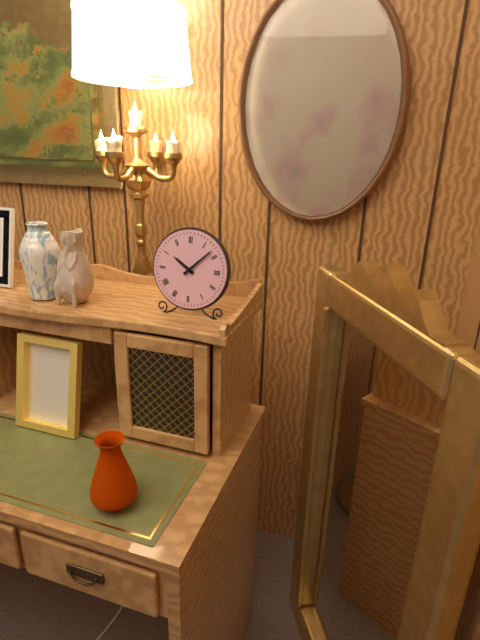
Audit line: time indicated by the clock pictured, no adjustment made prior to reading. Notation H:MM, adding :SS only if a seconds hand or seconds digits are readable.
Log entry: 10:08
